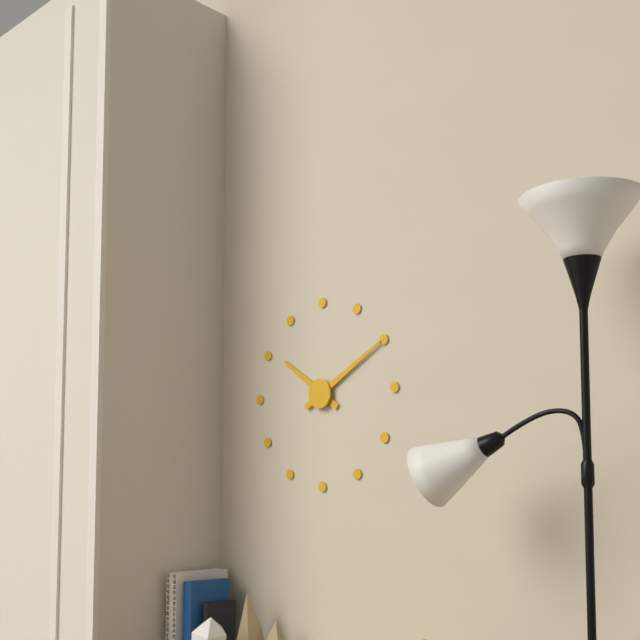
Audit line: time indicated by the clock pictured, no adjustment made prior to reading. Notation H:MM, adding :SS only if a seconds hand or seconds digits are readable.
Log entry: 10:10
